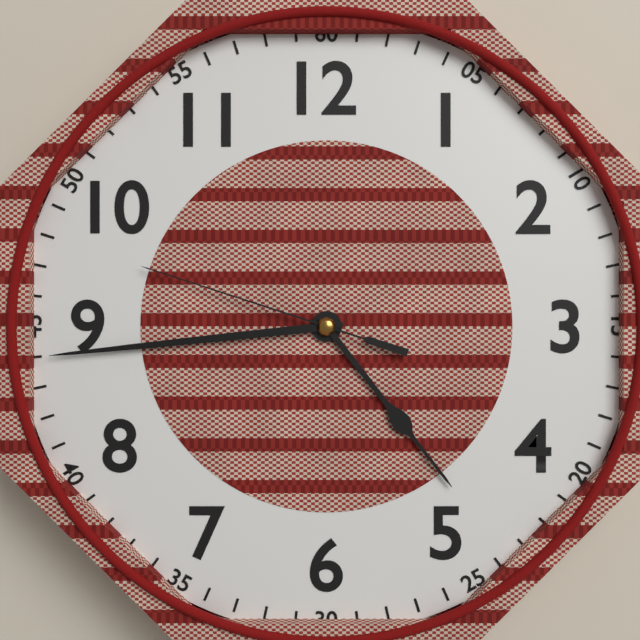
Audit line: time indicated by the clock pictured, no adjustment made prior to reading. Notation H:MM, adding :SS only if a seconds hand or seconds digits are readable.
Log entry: 4:44:48
